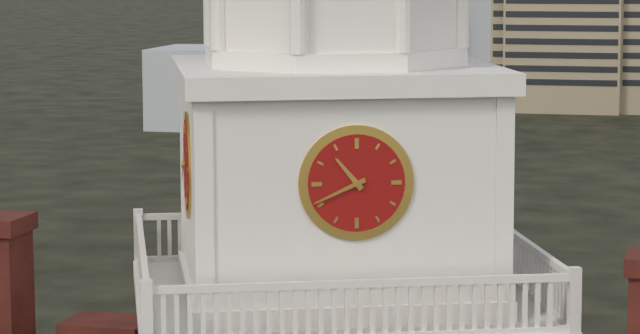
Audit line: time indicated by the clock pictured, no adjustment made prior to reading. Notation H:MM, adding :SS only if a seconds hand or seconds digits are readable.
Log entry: 10:41
